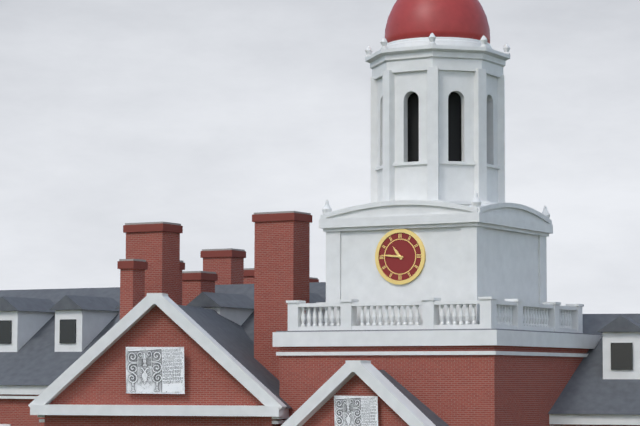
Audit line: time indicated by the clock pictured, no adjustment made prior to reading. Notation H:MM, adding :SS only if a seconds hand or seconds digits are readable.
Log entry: 10:46
